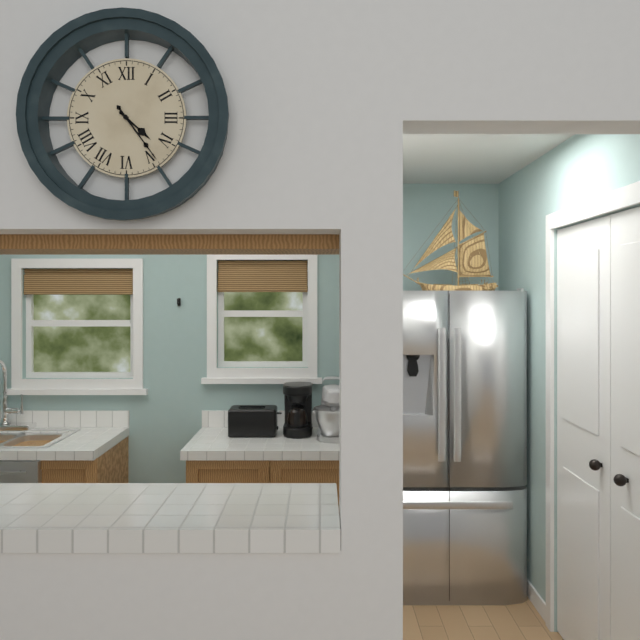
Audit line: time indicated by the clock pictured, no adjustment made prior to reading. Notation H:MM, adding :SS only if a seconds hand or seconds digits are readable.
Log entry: 4:24
